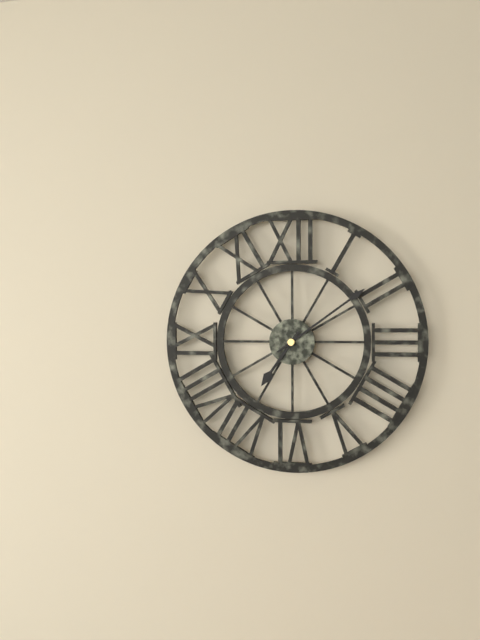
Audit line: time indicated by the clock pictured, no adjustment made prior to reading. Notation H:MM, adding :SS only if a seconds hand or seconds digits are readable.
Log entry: 7:09
